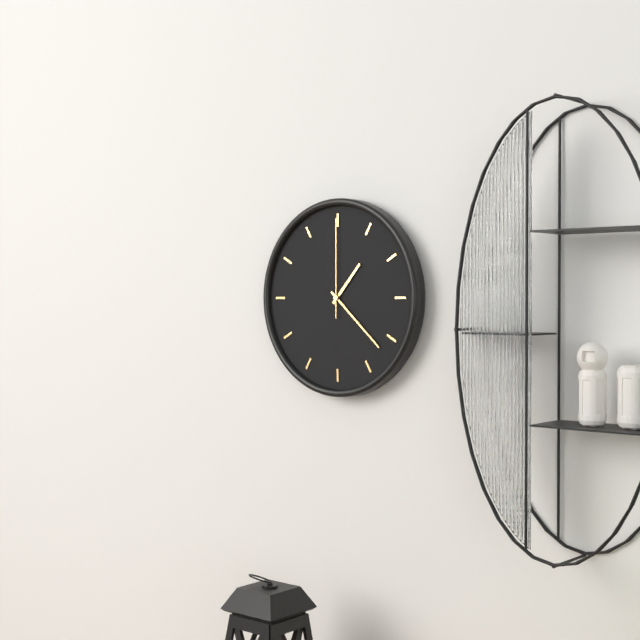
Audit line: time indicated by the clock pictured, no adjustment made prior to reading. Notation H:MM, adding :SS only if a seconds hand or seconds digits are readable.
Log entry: 1:22:00
